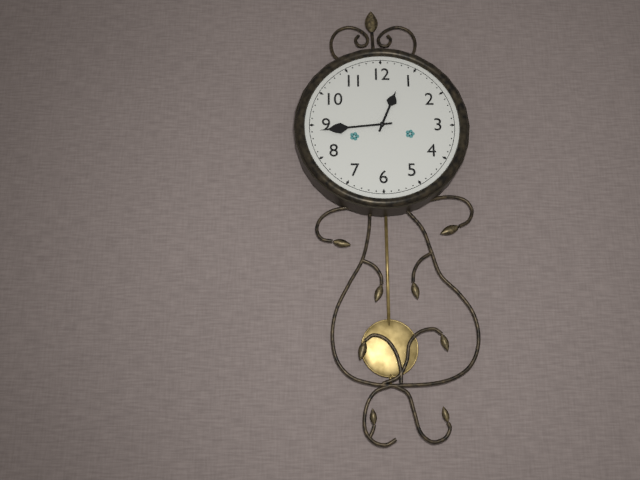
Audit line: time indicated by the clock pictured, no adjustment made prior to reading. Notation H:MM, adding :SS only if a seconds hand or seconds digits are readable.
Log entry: 12:44
